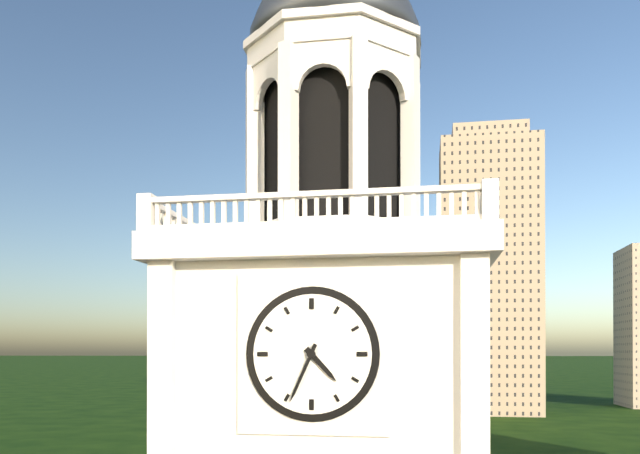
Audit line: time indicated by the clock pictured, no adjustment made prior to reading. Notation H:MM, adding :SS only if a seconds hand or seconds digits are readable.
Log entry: 4:34
